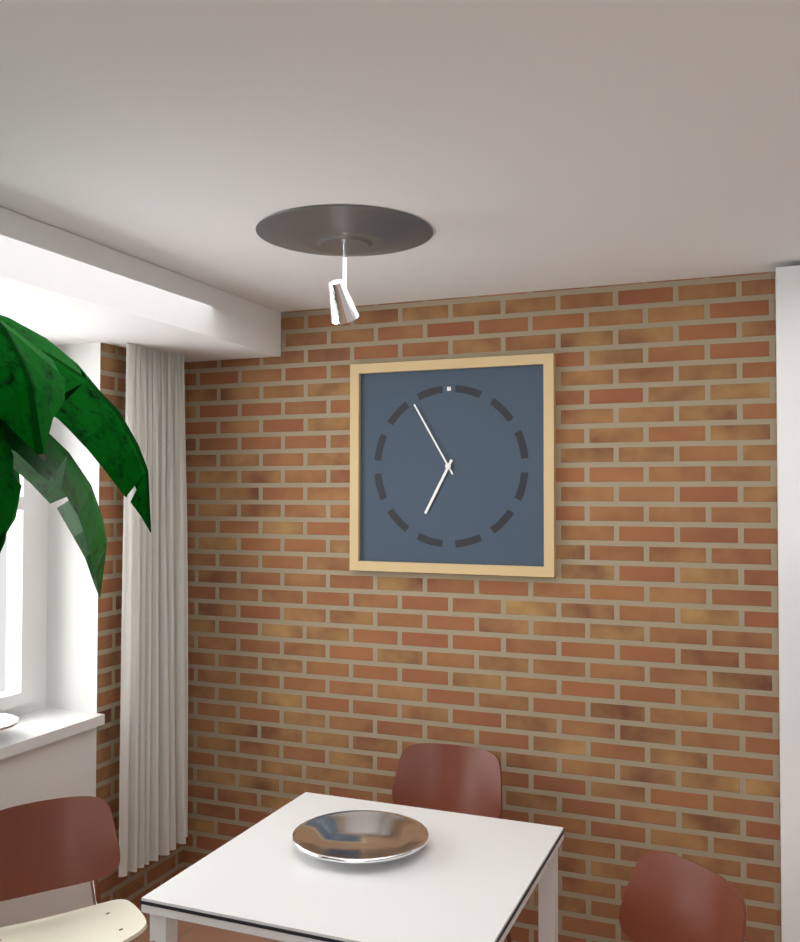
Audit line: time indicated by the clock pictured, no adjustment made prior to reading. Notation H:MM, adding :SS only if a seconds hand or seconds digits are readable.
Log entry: 6:55
